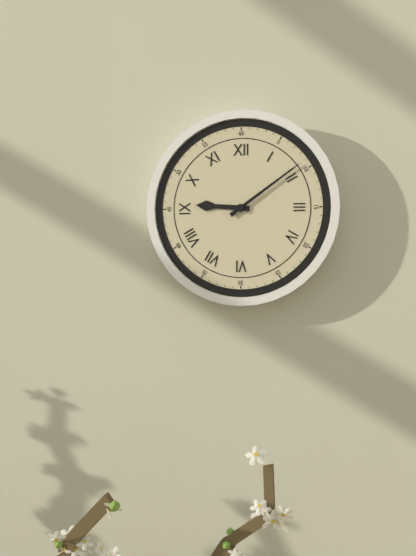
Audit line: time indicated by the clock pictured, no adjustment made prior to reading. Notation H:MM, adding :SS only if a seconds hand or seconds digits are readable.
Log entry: 9:09
